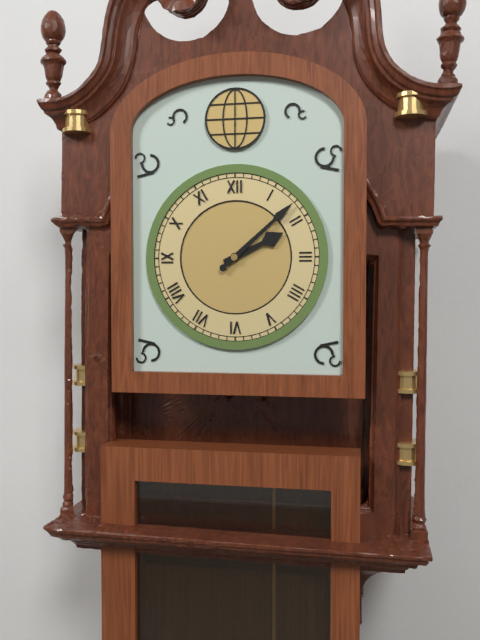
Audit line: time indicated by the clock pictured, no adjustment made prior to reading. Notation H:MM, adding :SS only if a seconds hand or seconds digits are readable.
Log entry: 2:08
